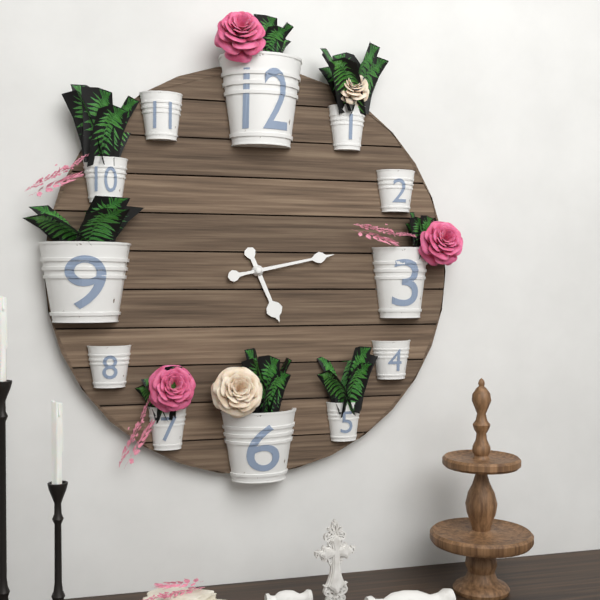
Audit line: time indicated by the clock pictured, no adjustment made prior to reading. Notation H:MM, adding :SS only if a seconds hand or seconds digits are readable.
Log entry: 5:13
